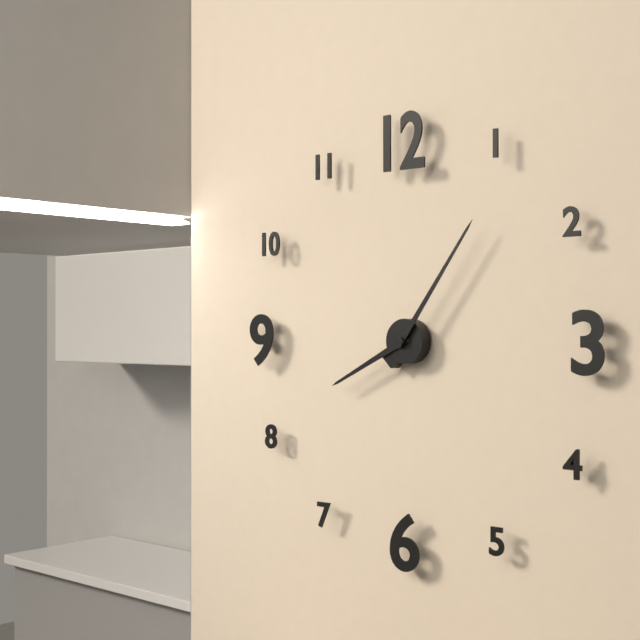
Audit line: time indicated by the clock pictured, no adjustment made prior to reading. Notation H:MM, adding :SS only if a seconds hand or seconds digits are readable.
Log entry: 8:06
